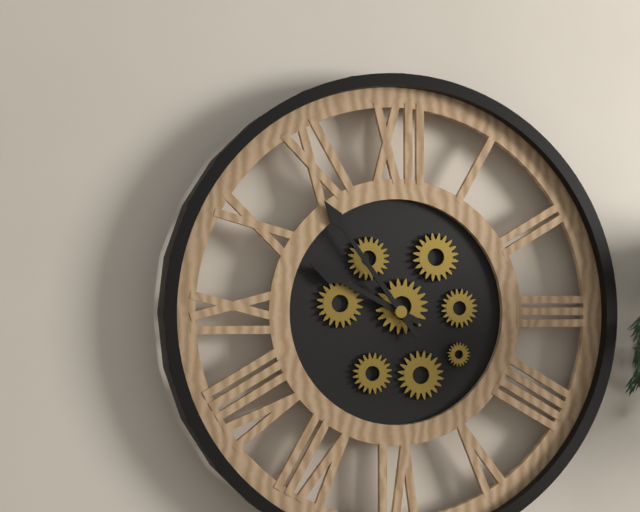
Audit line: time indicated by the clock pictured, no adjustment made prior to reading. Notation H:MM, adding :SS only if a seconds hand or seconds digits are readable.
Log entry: 9:54
